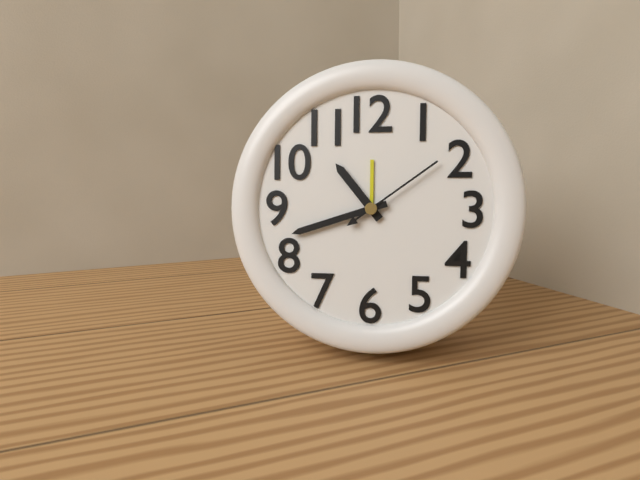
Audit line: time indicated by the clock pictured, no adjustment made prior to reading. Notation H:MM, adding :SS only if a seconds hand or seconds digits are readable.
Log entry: 10:42:09
